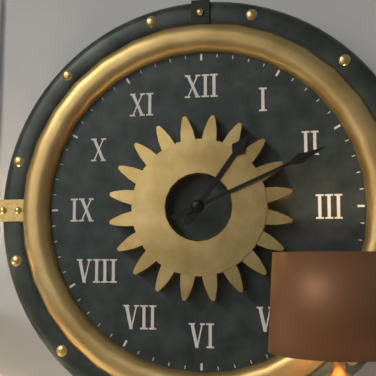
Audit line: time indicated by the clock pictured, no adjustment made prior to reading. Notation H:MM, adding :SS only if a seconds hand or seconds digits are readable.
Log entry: 1:11
